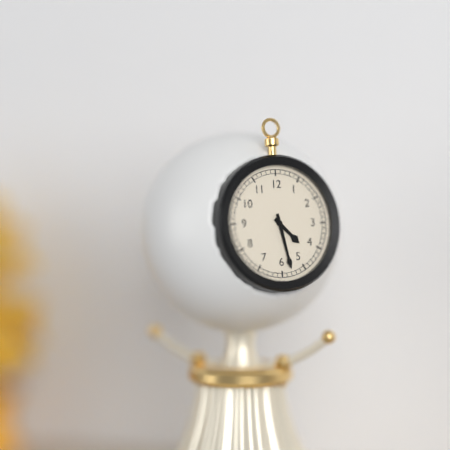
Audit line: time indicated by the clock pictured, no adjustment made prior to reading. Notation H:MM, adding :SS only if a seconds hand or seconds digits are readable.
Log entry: 4:28
